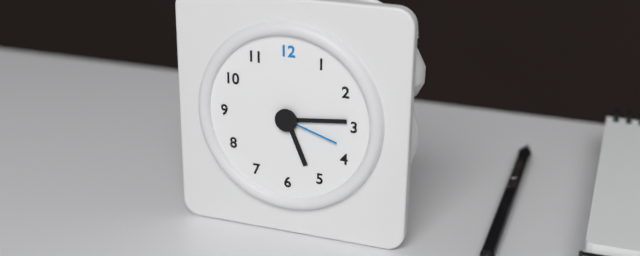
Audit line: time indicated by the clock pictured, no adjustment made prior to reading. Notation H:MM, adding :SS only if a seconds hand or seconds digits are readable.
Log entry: 5:14:18
